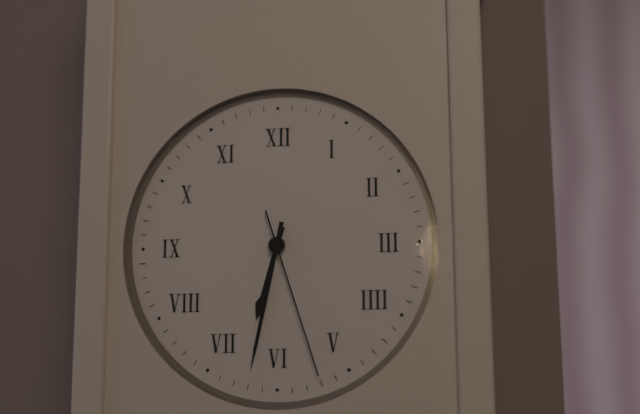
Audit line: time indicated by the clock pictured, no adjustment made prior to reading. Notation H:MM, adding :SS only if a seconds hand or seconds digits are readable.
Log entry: 6:32:27
